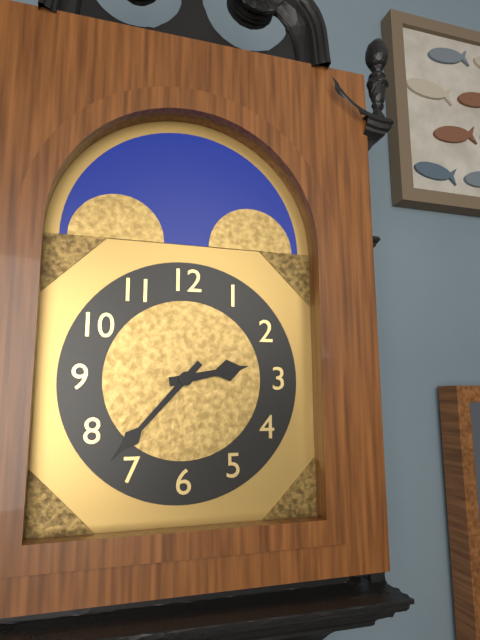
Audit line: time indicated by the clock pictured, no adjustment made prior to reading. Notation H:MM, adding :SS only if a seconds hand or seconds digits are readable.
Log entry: 2:37
